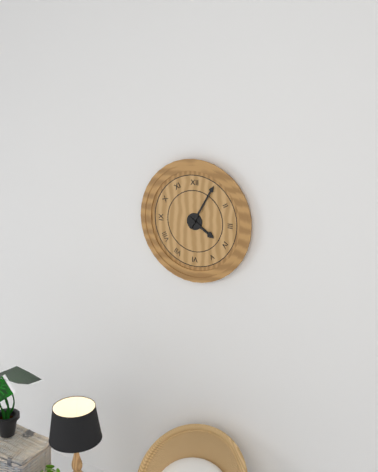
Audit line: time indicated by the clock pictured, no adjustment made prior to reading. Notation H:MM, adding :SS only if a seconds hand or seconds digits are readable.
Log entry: 4:05
